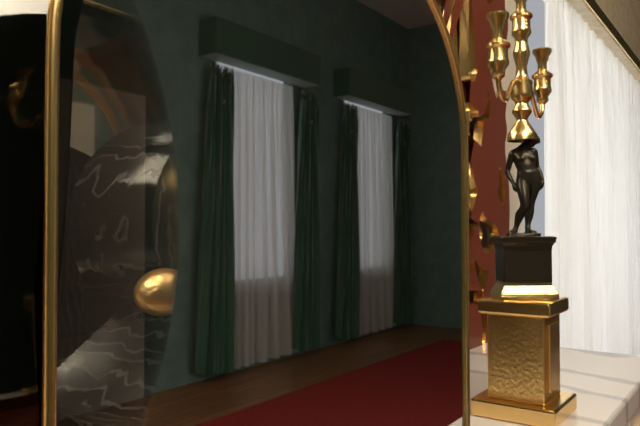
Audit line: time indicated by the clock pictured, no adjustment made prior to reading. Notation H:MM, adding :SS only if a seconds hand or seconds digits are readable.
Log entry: 8:18
